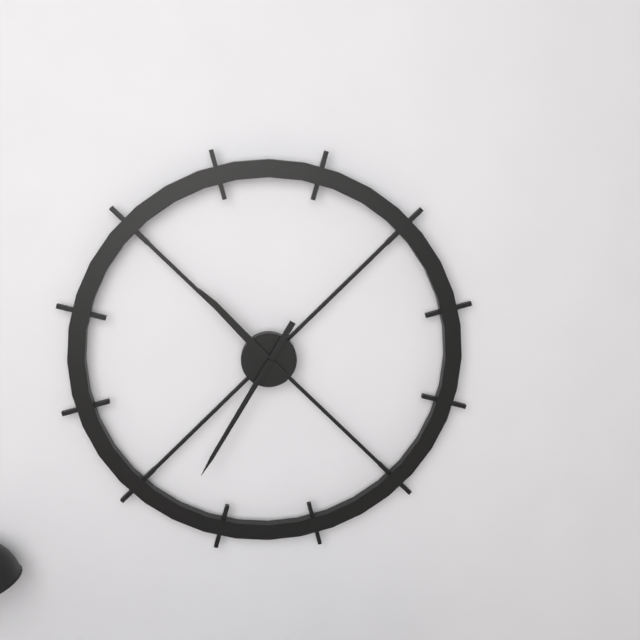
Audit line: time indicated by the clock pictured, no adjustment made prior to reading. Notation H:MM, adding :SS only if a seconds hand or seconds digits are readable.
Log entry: 10:35
